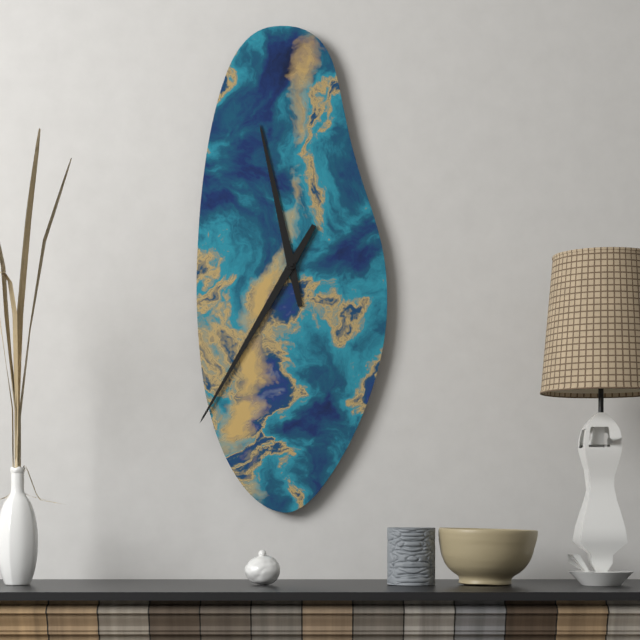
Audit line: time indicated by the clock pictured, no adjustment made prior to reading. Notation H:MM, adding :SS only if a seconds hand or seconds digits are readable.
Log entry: 11:35
